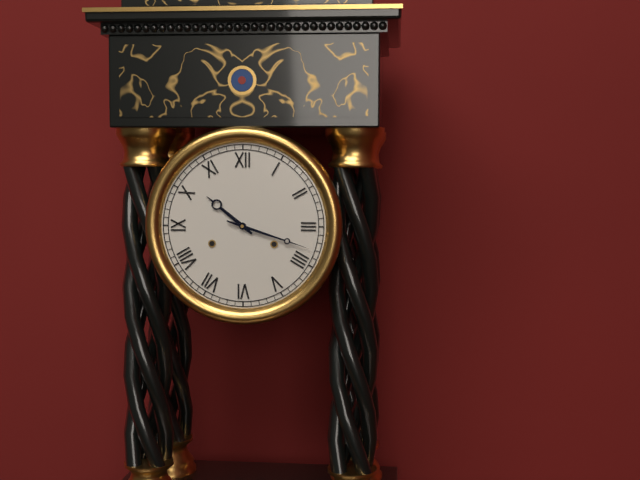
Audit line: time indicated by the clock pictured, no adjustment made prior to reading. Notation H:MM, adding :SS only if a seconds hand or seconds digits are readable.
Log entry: 10:18
